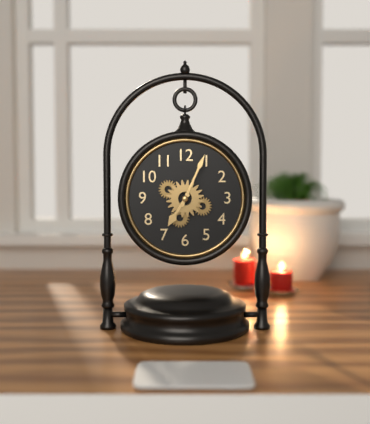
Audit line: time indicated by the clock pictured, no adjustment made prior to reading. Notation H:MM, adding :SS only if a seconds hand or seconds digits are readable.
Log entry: 7:04
